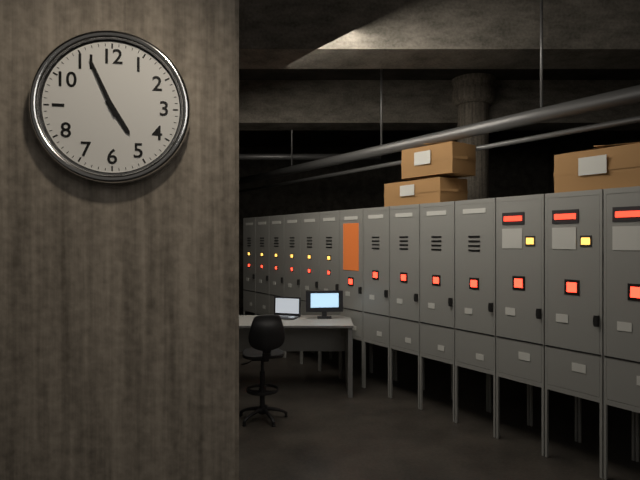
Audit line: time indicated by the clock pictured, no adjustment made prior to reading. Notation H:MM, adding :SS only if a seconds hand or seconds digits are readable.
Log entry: 4:56
